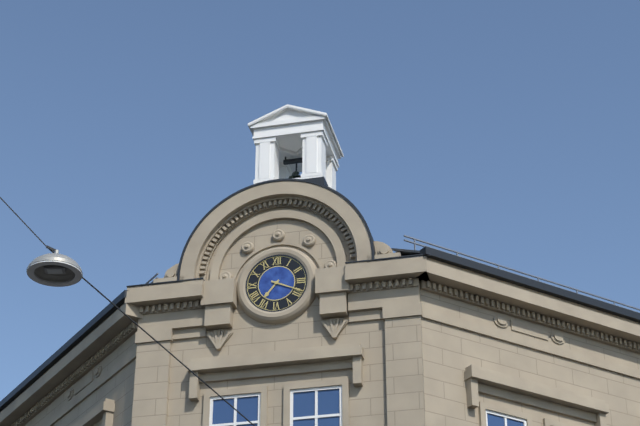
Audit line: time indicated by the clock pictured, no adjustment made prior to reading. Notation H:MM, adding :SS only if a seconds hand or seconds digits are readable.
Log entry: 7:19
